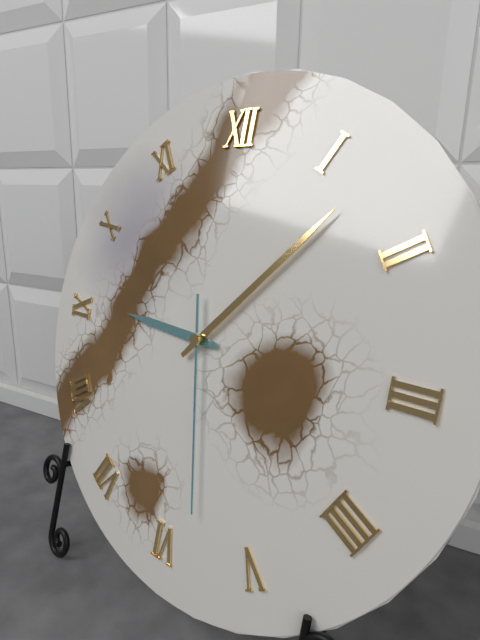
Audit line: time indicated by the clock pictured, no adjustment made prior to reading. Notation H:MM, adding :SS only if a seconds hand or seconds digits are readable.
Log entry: 9:07:28
